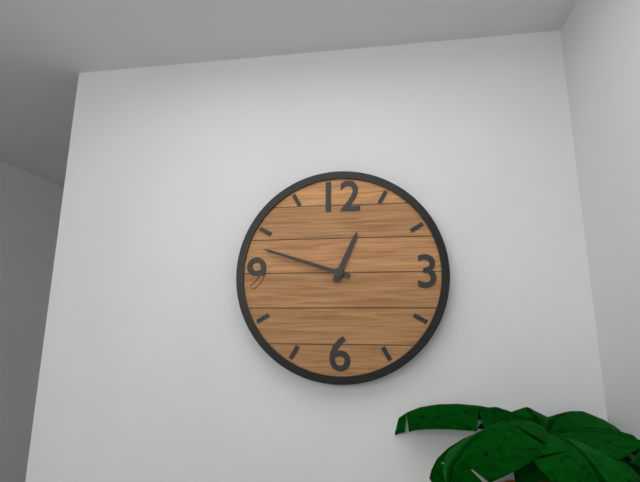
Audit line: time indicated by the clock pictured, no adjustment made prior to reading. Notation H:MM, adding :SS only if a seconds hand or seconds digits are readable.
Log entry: 12:48
